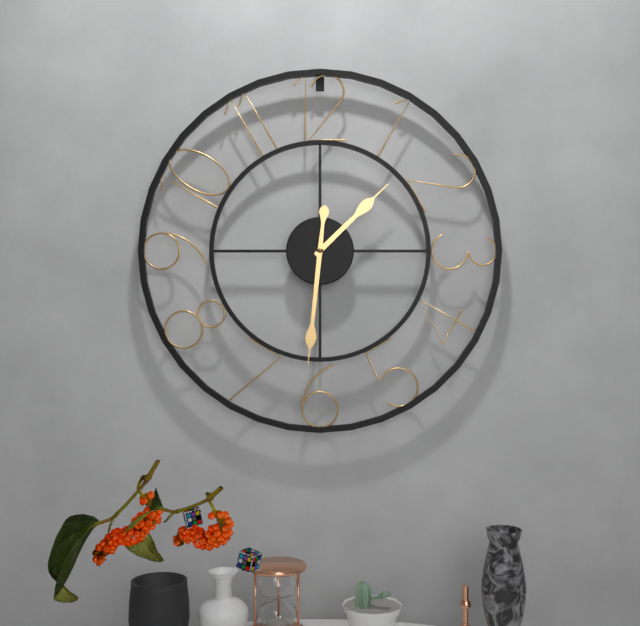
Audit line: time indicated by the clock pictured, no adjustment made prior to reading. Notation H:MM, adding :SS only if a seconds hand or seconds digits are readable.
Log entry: 1:31
